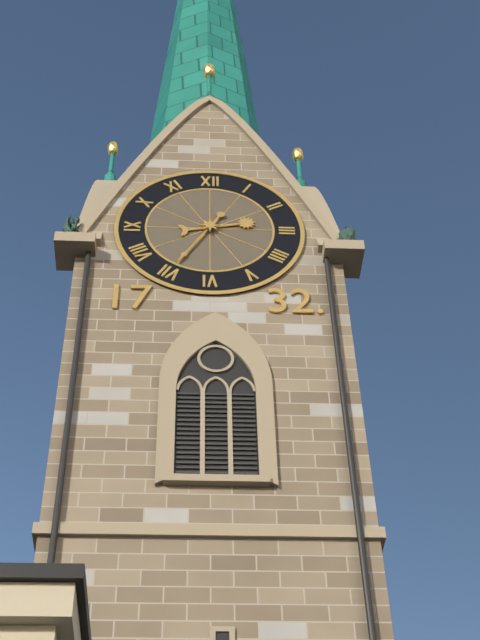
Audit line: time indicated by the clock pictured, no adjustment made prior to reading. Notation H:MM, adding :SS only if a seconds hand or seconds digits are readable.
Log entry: 2:35
